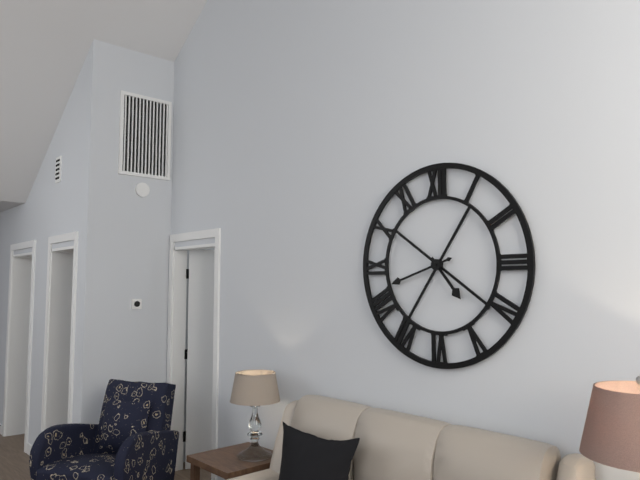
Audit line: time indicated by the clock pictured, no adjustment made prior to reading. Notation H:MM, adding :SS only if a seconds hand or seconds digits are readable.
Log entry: 4:42
